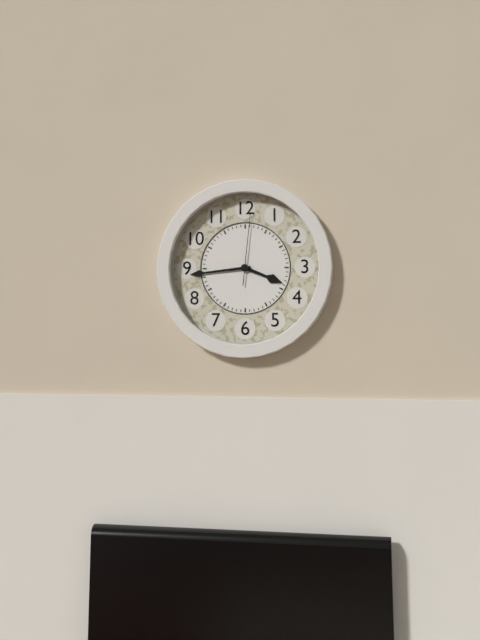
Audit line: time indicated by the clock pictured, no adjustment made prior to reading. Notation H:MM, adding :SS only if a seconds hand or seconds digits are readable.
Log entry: 3:44:01
